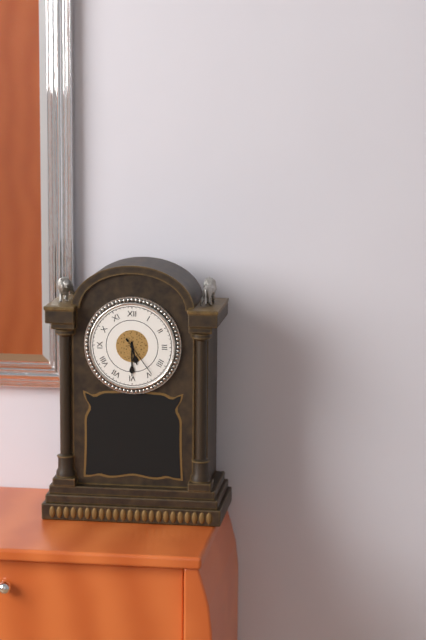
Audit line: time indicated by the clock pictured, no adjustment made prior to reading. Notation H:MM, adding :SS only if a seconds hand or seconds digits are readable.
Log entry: 5:30
